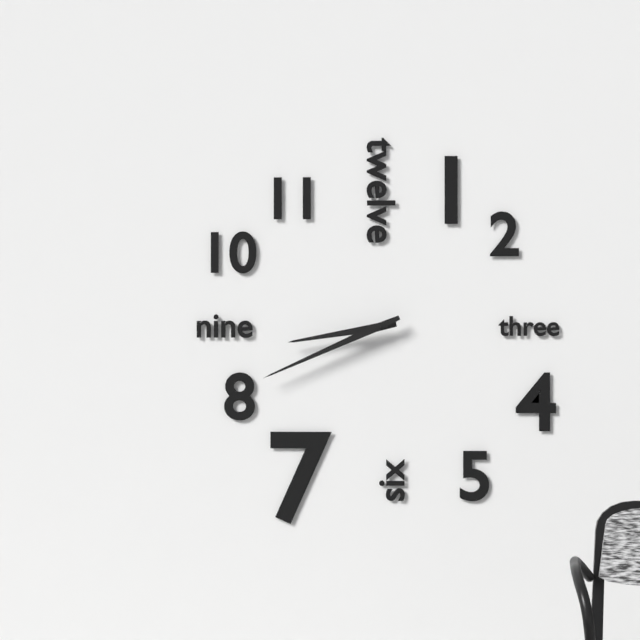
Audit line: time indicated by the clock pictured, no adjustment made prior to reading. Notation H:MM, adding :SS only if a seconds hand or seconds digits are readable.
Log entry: 8:41
